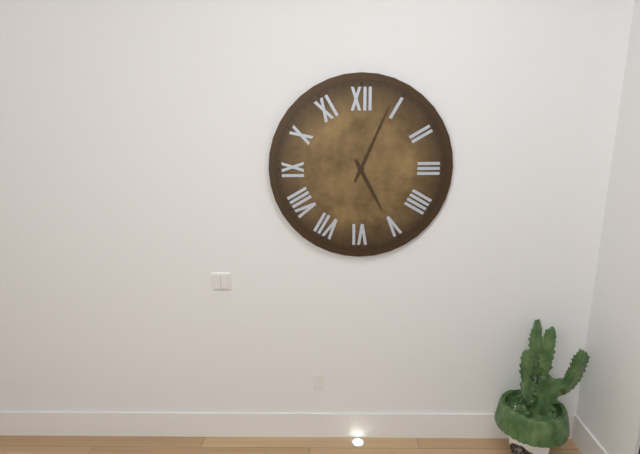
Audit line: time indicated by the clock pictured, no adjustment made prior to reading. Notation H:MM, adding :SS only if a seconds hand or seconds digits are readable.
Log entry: 5:04
